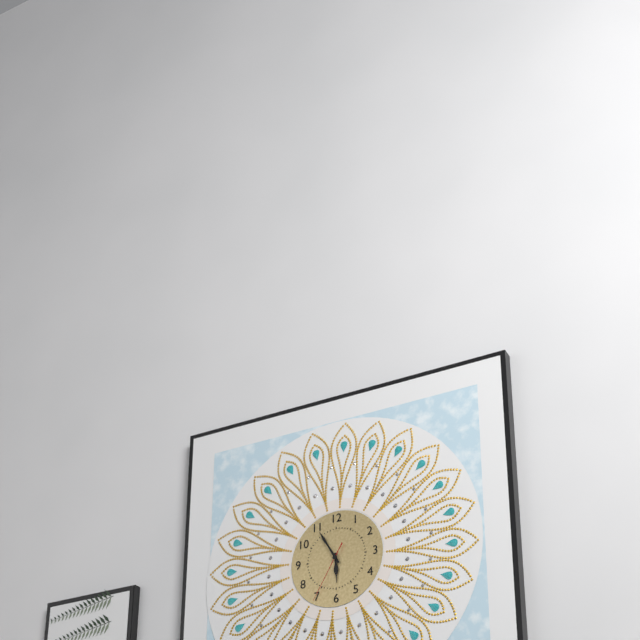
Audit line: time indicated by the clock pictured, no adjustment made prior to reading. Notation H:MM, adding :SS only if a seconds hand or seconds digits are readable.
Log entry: 5:55:35
